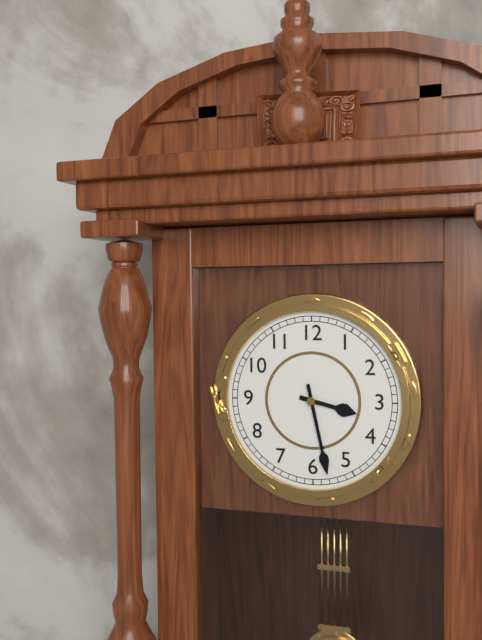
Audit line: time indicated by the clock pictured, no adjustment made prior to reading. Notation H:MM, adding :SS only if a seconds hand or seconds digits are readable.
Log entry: 3:28
